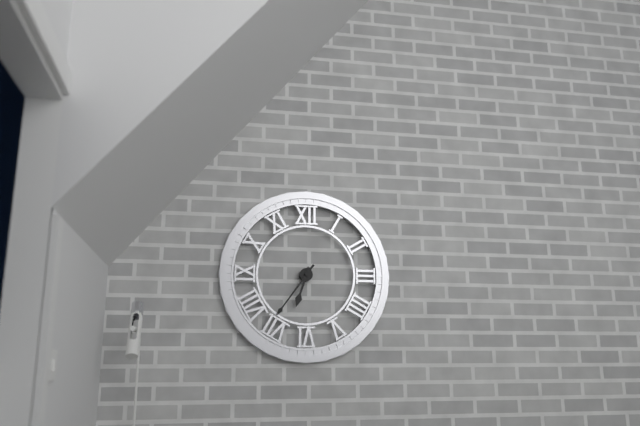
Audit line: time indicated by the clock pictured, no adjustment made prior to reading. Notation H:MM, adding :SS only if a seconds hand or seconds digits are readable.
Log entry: 6:36
